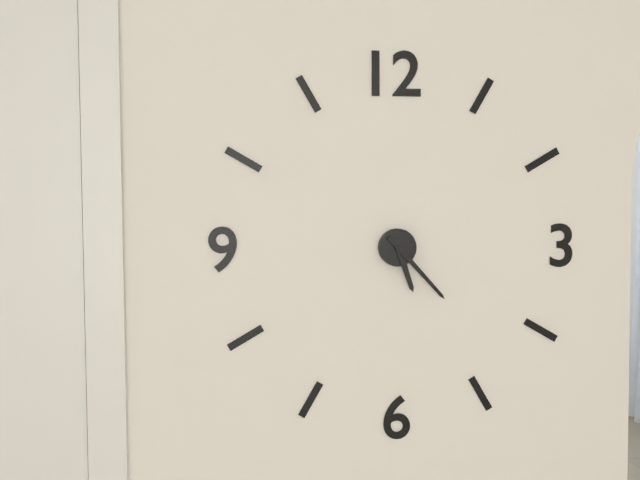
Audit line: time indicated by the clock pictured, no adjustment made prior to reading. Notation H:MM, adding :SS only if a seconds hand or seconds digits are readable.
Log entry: 5:23
